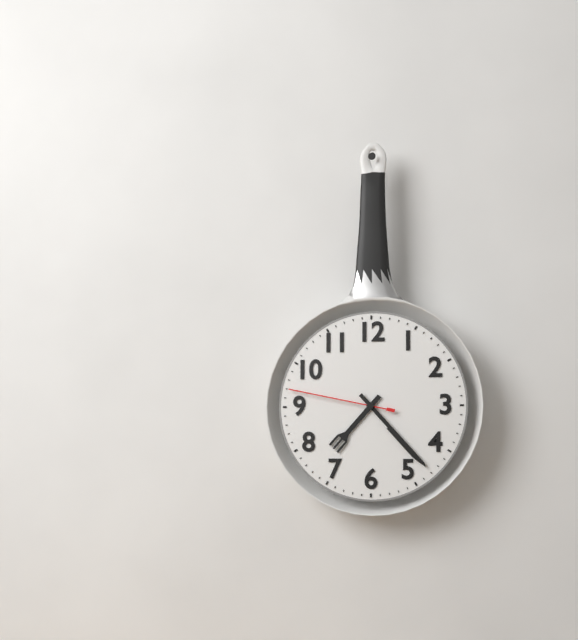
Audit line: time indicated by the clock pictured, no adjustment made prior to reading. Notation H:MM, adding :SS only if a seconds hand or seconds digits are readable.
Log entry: 7:23:47
